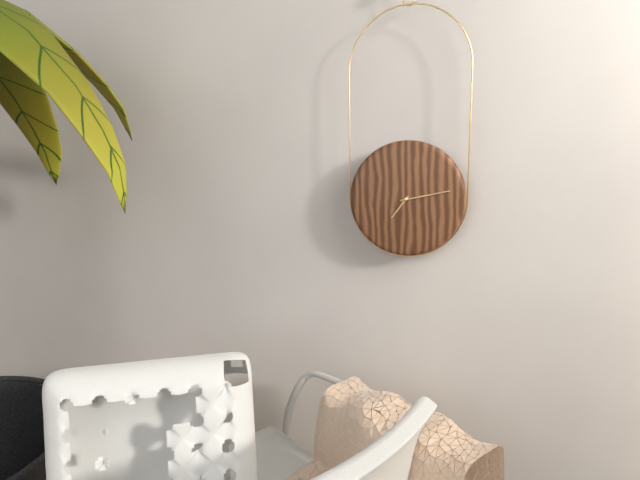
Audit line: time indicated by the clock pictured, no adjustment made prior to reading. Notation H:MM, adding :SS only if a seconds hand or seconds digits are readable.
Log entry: 7:13
